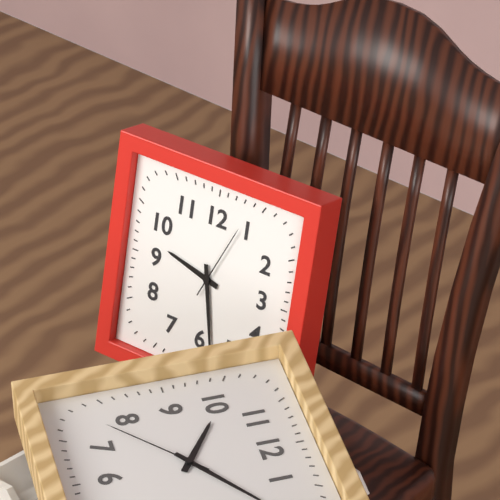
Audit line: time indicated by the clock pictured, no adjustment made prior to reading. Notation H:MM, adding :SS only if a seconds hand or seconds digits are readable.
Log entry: 9:28:04
